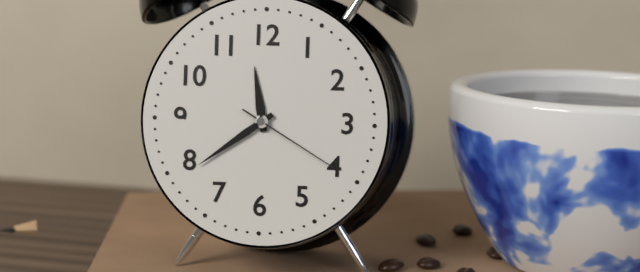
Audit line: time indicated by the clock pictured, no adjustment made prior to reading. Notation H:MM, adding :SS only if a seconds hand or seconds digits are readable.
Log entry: 11:39:20
